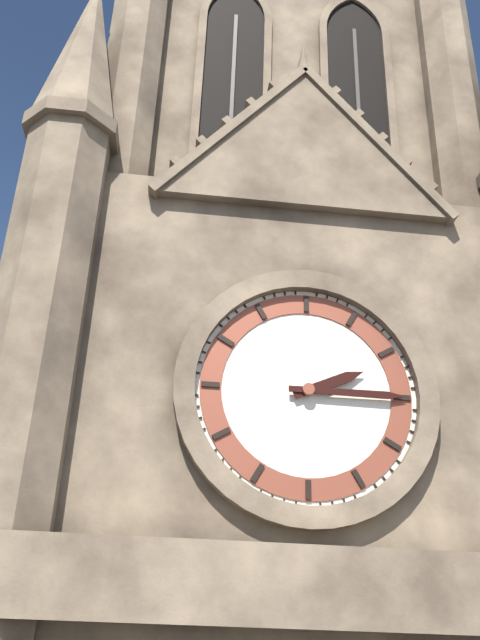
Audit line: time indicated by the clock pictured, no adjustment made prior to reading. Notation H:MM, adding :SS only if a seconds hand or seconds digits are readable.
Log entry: 2:15
